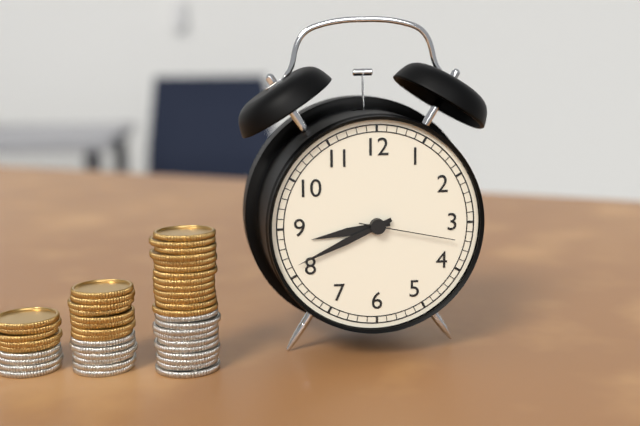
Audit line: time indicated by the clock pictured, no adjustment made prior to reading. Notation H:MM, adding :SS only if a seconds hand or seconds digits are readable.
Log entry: 8:41:17
